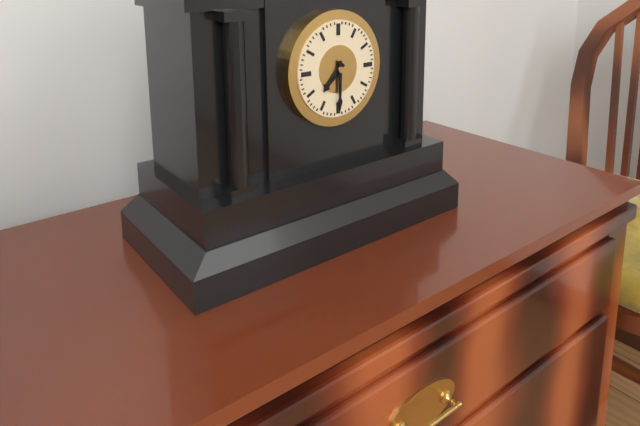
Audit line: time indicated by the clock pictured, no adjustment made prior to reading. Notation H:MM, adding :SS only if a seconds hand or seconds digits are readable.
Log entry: 7:30
